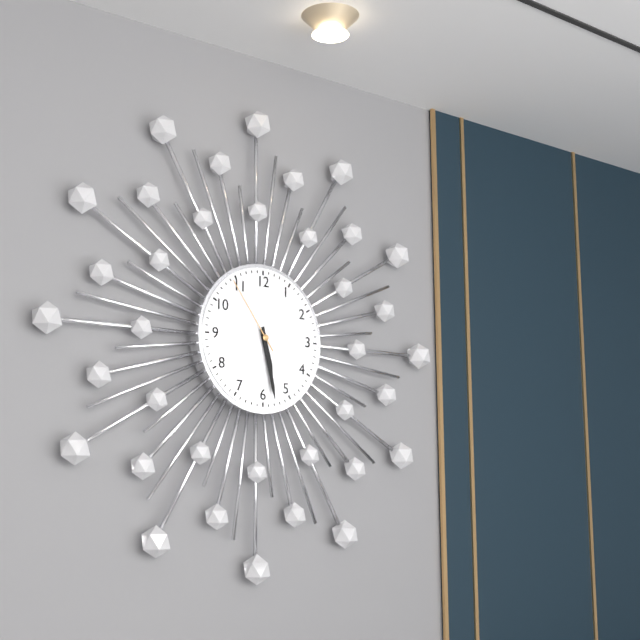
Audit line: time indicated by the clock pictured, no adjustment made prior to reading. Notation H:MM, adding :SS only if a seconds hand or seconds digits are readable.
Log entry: 5:28:54
